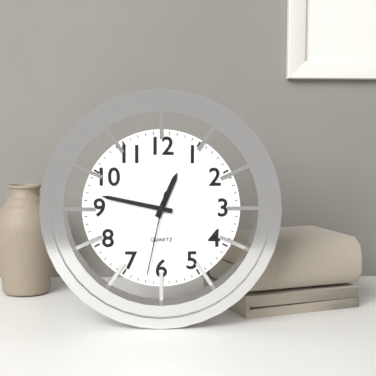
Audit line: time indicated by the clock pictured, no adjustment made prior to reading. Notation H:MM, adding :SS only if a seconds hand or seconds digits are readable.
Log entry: 12:47:32
